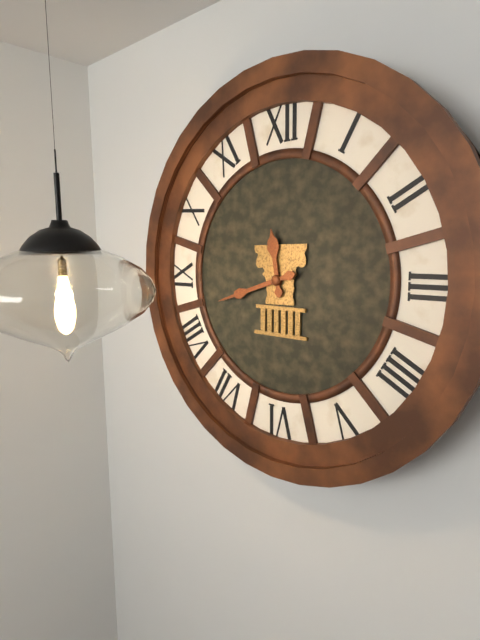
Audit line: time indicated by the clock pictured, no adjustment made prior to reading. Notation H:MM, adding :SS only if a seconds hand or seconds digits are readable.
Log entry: 11:42
